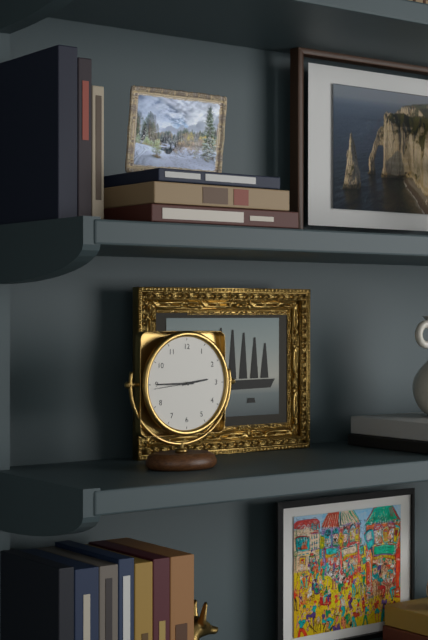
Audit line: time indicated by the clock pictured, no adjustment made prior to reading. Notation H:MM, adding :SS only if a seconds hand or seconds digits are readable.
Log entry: 2:45
